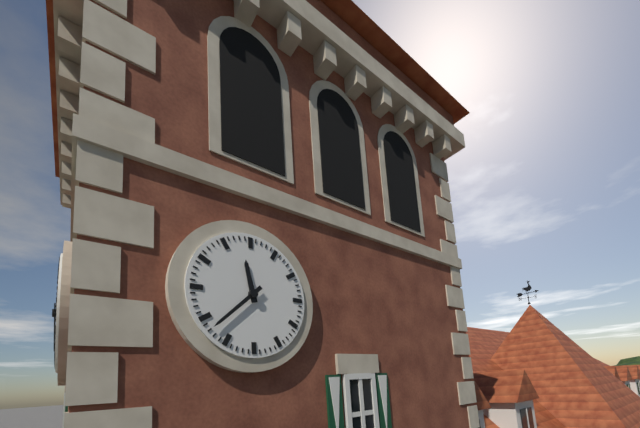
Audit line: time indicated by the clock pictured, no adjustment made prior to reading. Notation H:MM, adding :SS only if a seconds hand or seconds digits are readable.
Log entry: 11:38
